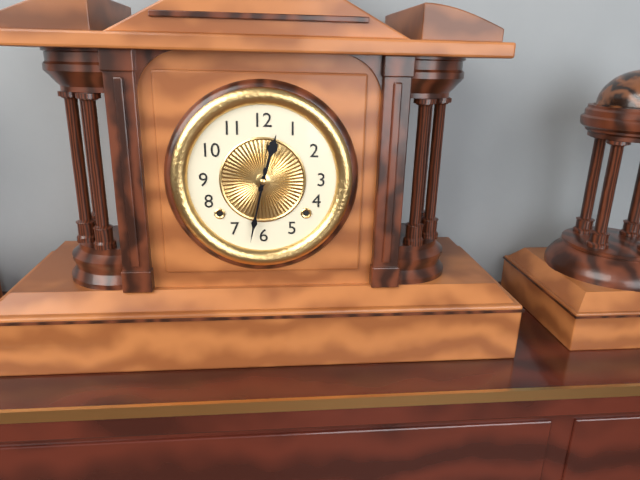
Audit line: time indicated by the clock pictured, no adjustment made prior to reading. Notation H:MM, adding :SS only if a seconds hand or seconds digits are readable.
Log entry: 12:32
